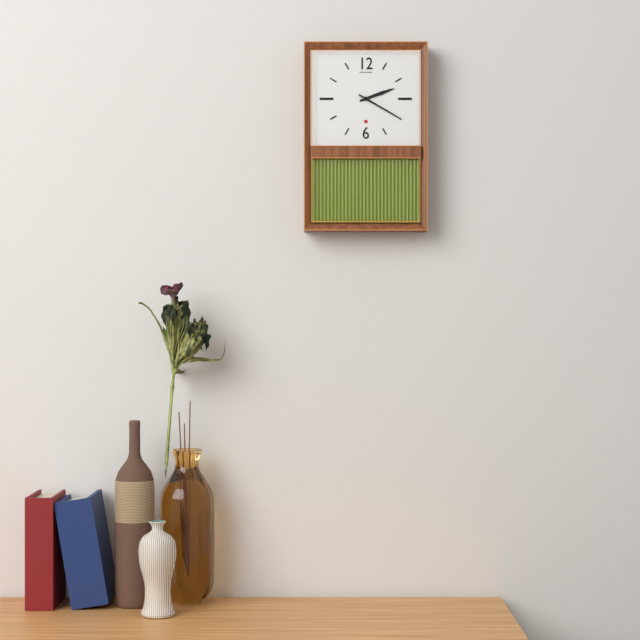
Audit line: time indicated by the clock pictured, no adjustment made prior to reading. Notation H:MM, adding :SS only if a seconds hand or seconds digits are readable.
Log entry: 2:20
